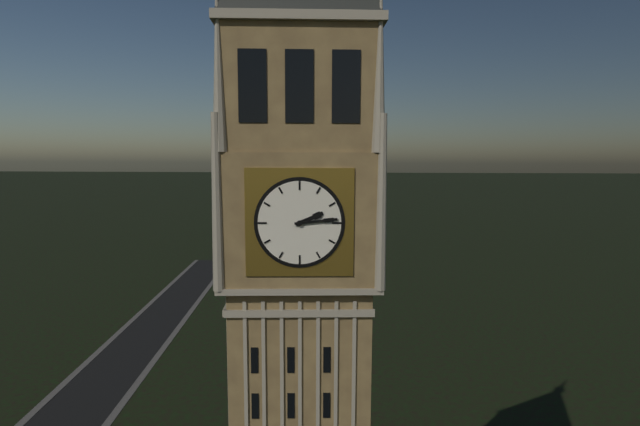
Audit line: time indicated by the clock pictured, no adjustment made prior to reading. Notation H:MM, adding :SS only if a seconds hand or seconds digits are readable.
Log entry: 2:14
